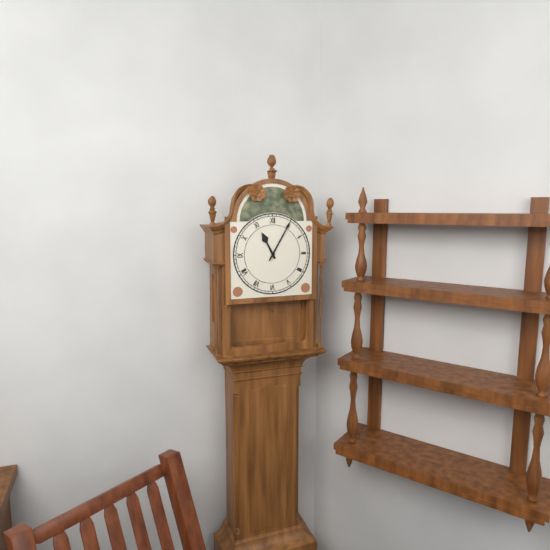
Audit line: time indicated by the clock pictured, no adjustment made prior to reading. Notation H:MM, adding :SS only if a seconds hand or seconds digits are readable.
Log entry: 11:05
